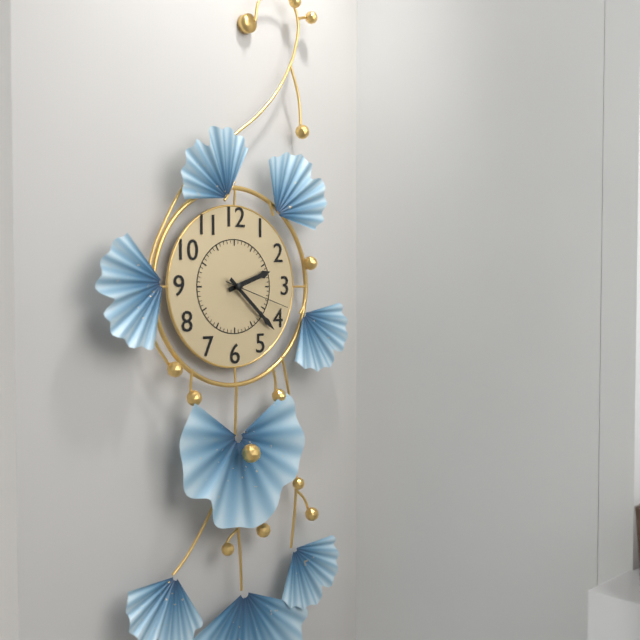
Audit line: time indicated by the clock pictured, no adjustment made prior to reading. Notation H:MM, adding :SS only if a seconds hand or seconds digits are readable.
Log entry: 2:22:18
